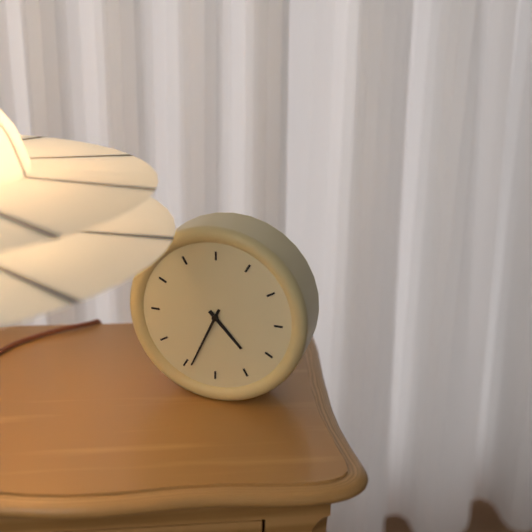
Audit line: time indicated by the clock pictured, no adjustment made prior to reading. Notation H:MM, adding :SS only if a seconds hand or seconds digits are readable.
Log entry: 4:34
